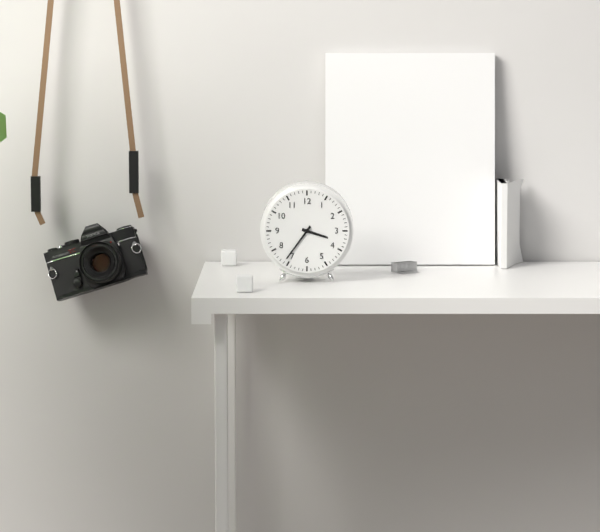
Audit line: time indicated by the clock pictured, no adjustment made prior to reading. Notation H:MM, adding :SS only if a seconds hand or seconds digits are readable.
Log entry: 3:36
